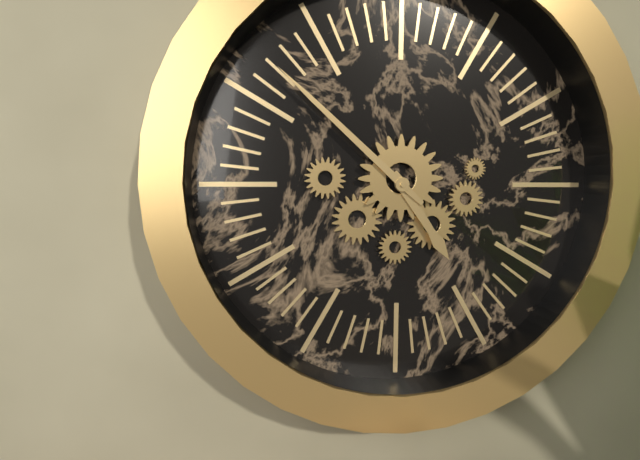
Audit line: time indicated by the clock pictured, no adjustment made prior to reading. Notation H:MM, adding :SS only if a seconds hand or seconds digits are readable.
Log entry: 4:52
